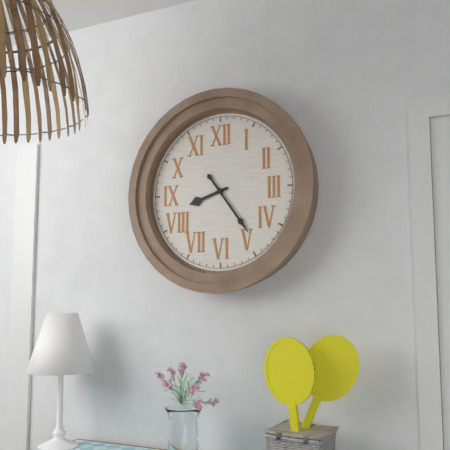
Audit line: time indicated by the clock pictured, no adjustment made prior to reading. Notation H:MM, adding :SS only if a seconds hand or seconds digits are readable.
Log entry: 8:24
